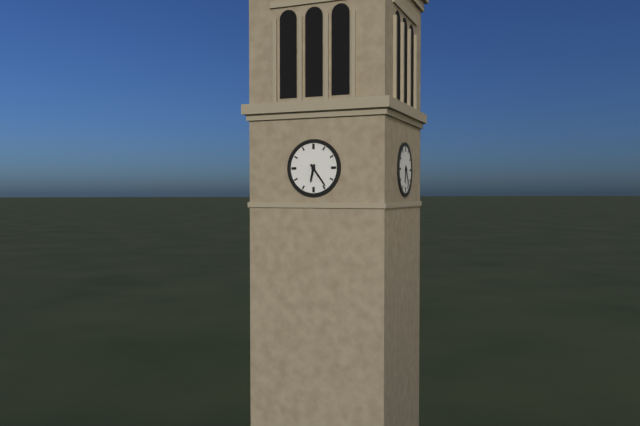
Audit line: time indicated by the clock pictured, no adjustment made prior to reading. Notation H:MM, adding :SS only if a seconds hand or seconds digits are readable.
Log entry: 6:24
